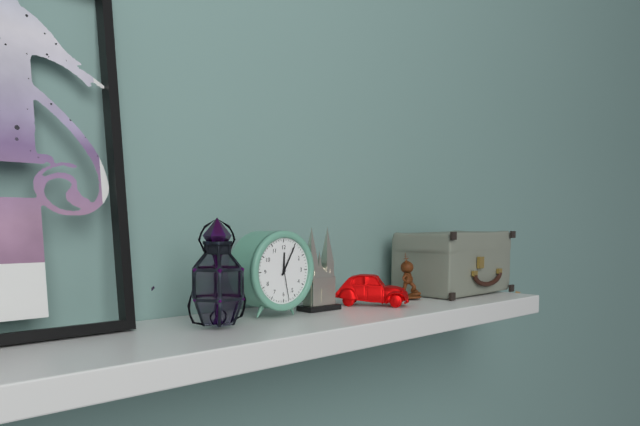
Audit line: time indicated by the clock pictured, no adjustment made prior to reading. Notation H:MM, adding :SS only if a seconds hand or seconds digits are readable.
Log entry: 12:05
